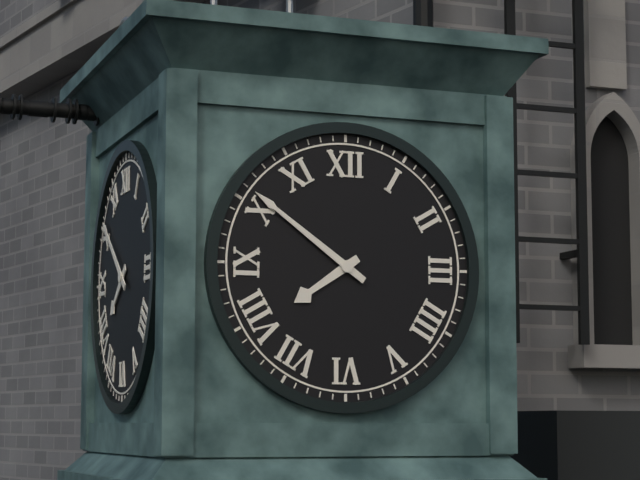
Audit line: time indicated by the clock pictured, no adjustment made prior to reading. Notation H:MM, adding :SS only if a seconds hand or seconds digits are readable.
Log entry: 7:51
